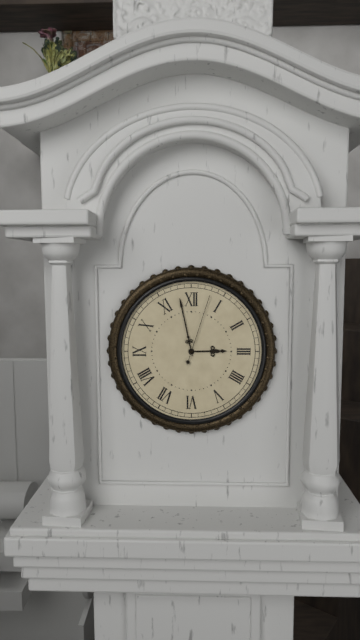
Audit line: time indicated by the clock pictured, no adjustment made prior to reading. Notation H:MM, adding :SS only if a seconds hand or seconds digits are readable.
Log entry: 2:58:03
